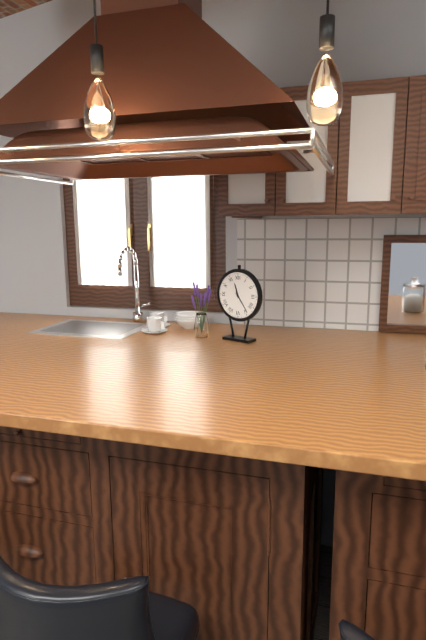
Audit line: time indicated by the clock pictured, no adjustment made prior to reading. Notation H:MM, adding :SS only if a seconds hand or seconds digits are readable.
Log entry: 11:24
